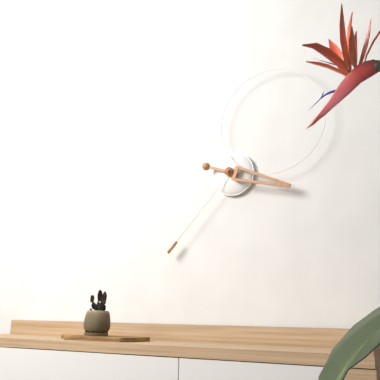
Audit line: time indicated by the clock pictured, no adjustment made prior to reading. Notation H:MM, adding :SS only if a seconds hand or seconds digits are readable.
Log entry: 3:37
